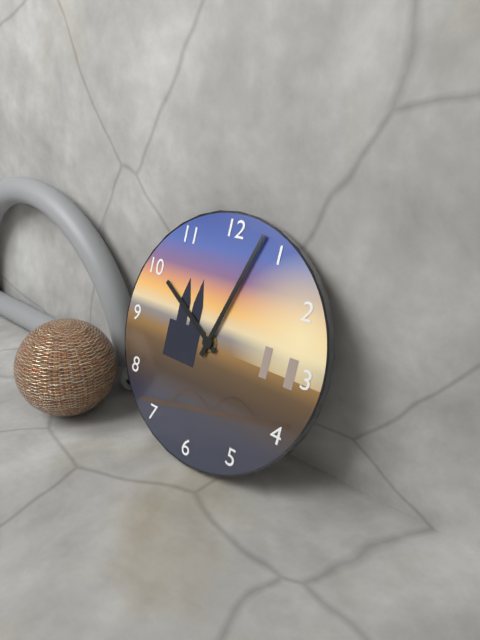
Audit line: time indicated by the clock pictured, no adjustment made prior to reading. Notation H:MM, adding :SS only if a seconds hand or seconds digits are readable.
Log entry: 10:03
